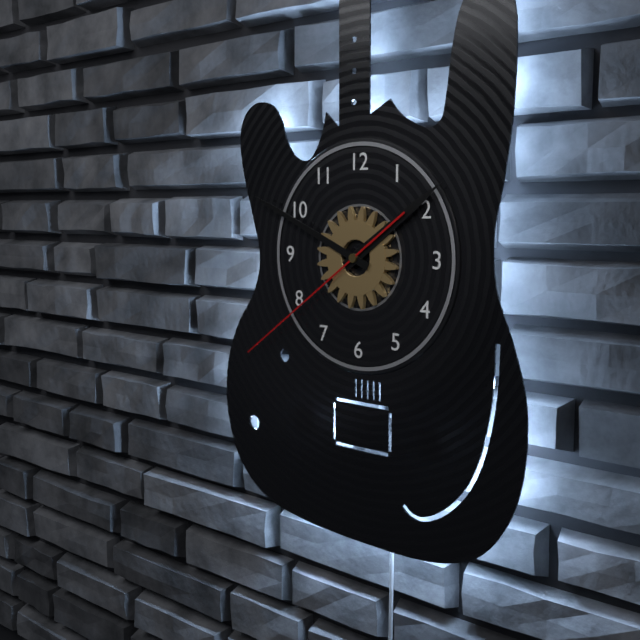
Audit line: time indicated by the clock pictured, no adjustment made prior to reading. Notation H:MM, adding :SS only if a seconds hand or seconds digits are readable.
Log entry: 1:49:39
